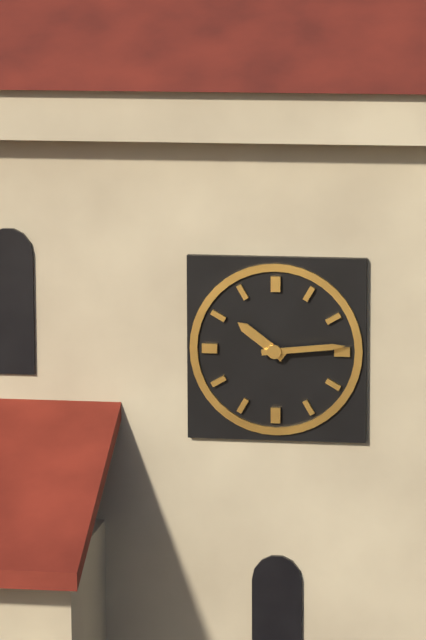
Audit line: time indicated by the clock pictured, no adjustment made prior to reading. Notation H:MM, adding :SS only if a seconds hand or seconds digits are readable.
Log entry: 10:14
